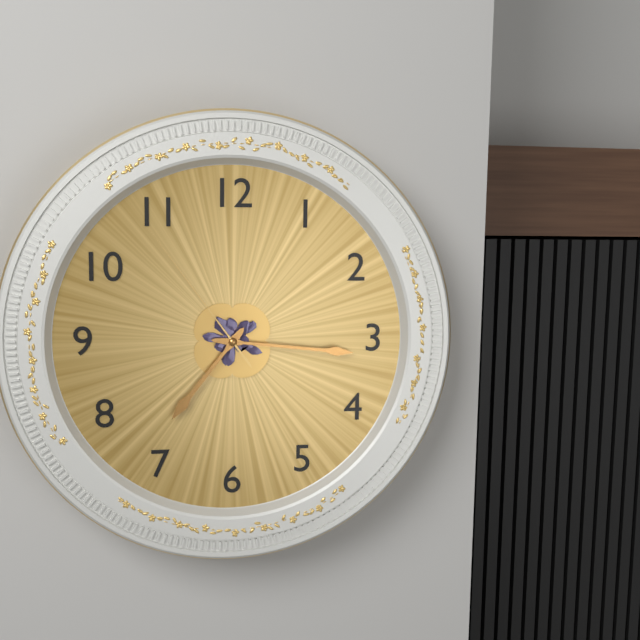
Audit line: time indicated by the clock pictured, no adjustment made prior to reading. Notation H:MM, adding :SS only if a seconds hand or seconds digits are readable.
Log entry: 7:16:54
